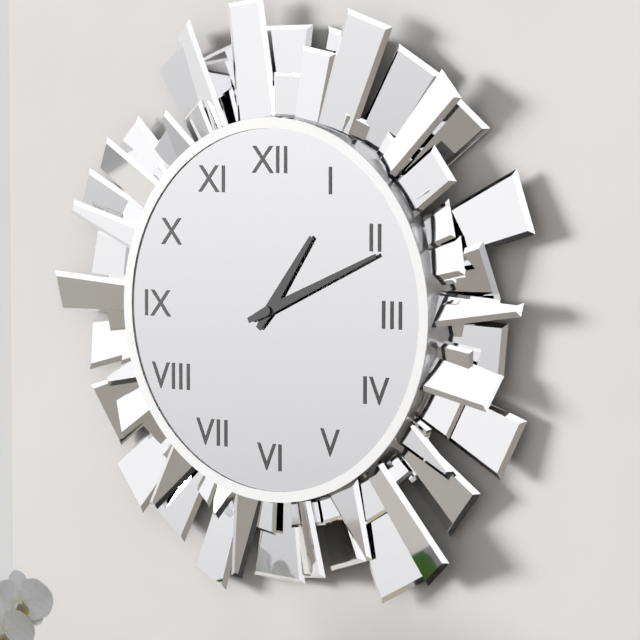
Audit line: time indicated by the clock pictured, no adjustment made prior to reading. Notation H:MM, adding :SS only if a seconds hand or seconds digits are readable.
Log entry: 1:11
